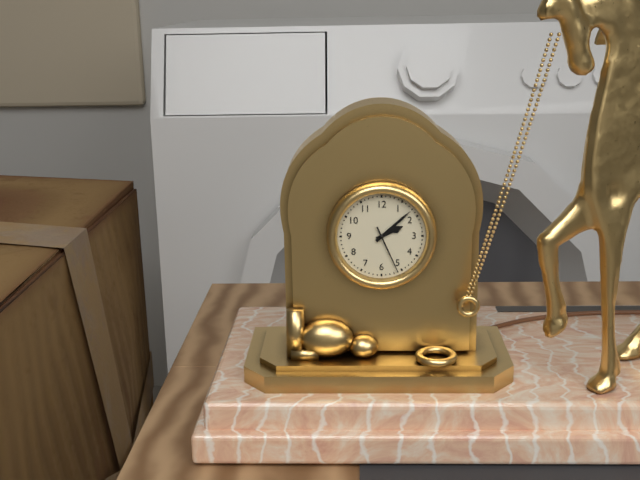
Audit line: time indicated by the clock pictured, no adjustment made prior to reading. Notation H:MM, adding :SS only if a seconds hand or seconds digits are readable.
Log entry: 2:08
